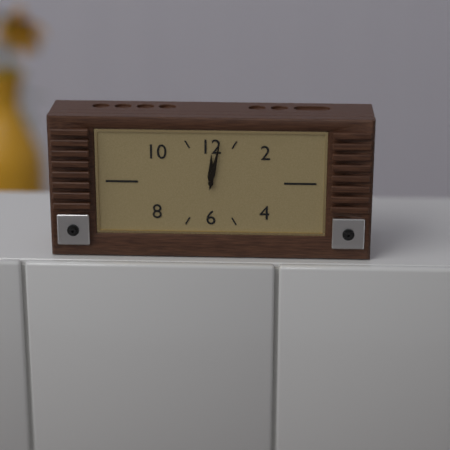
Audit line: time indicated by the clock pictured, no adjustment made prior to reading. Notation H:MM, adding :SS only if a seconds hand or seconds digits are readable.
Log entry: 12:02
